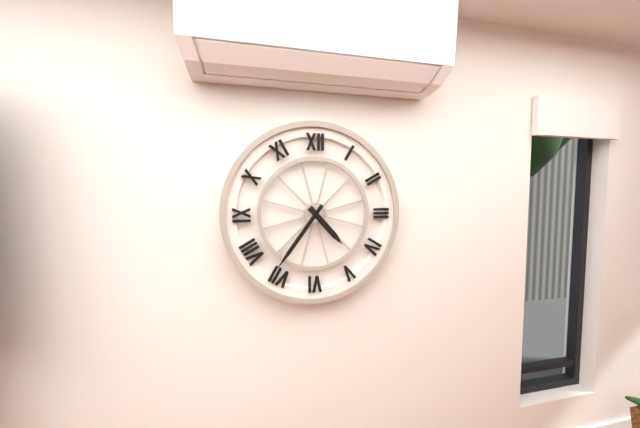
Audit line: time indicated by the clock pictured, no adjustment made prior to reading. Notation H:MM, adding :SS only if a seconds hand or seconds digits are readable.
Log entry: 4:36
